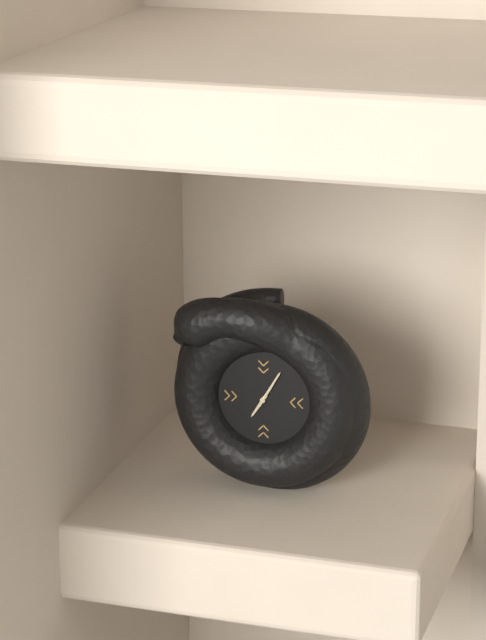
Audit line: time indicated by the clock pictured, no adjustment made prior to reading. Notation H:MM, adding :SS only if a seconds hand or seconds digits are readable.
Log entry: 7:05
